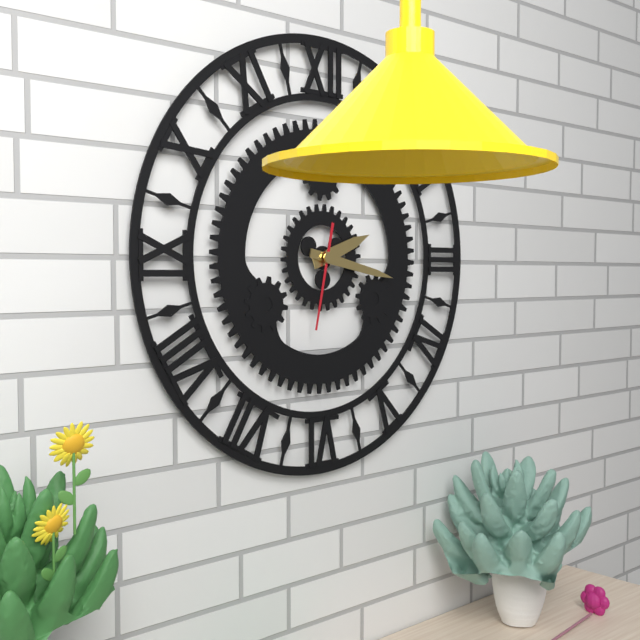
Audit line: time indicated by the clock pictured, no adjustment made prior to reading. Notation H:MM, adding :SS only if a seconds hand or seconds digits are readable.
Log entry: 2:17:32
